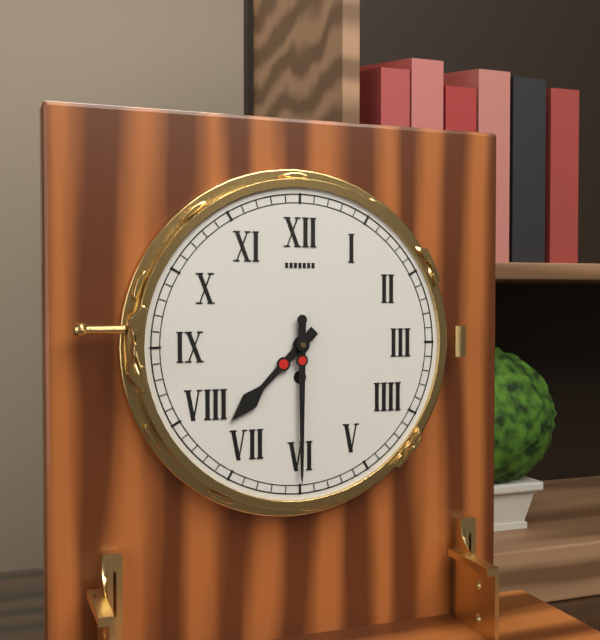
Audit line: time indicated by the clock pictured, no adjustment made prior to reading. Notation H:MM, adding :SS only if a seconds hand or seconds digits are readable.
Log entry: 7:30
